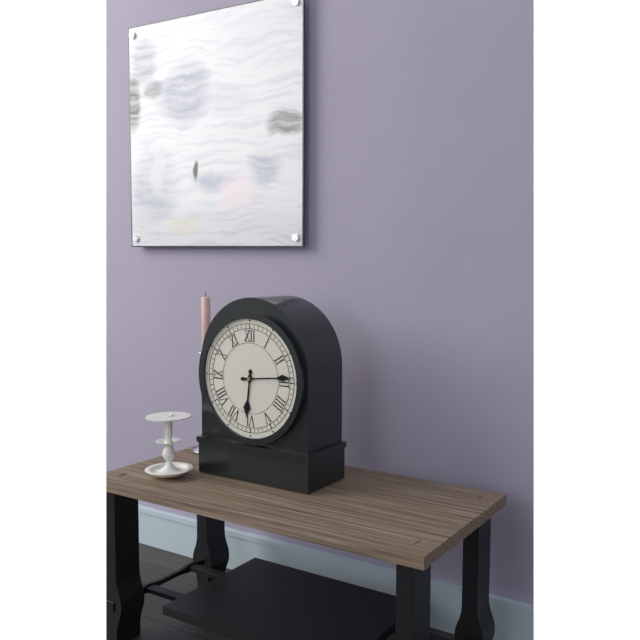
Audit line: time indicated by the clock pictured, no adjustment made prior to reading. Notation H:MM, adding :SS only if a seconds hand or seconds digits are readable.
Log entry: 6:14
